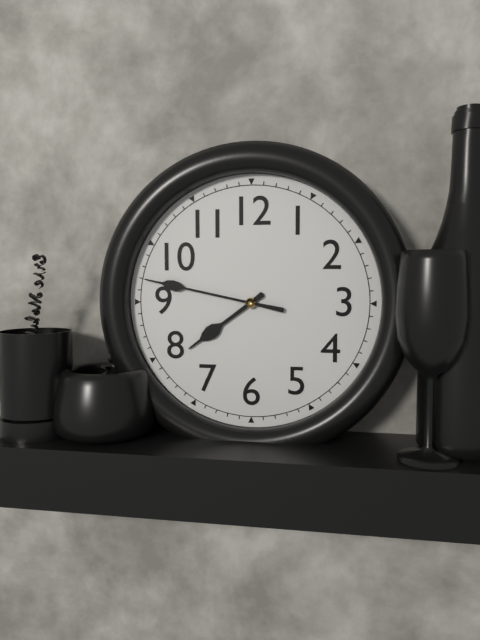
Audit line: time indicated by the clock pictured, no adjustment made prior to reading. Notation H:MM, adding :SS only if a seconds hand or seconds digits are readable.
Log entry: 7:47
